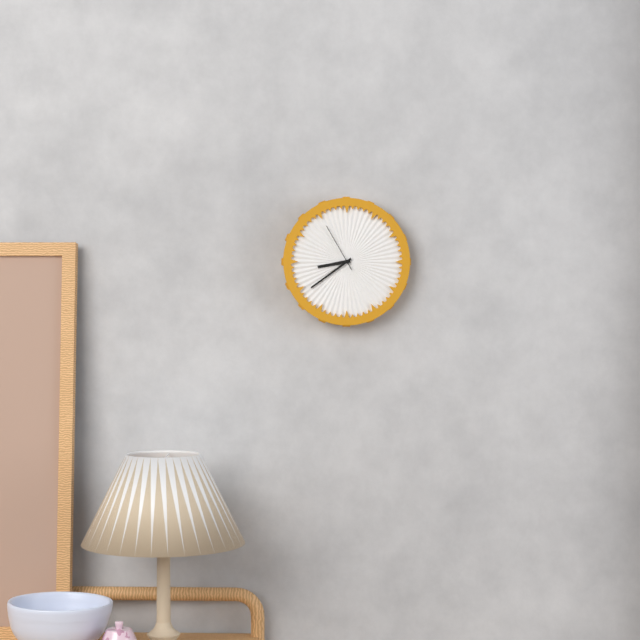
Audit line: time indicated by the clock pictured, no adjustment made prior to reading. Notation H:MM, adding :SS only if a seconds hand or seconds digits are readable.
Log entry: 8:39:55
